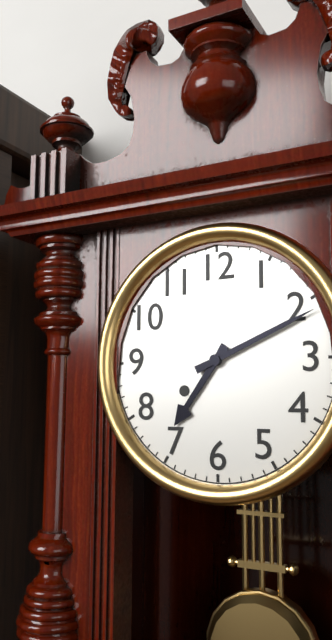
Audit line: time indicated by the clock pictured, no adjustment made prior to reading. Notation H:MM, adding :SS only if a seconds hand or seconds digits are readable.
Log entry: 7:11
